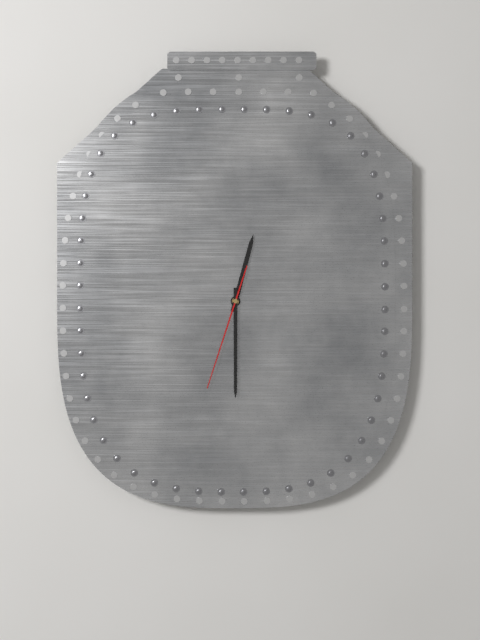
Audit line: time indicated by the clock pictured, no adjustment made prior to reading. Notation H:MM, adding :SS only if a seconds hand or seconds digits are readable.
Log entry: 12:30:33
